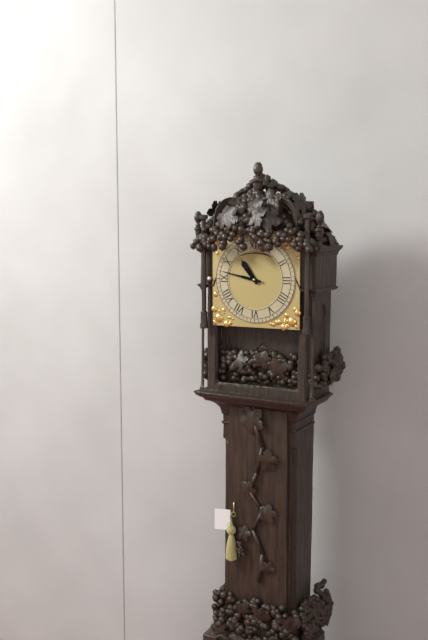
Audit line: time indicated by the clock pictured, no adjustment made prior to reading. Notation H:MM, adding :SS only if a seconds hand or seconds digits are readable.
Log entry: 10:47
